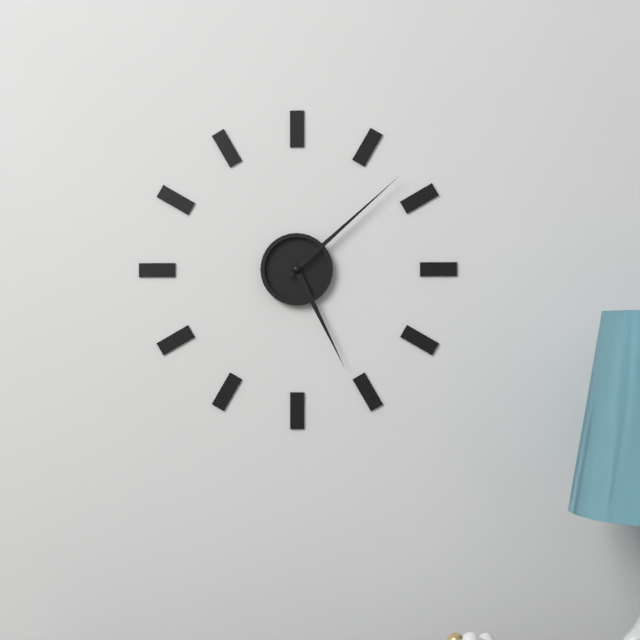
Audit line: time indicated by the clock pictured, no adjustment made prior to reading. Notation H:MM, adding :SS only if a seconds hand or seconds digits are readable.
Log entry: 5:08
